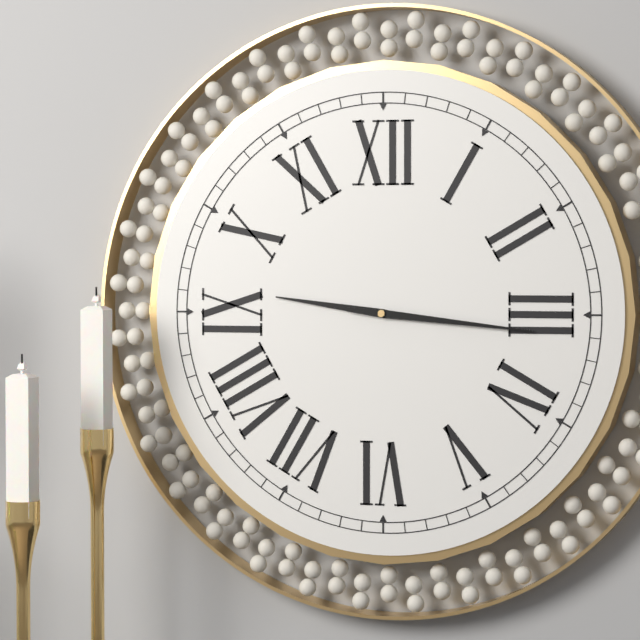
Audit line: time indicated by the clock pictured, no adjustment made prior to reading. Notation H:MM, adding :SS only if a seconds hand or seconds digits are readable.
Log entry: 9:16
